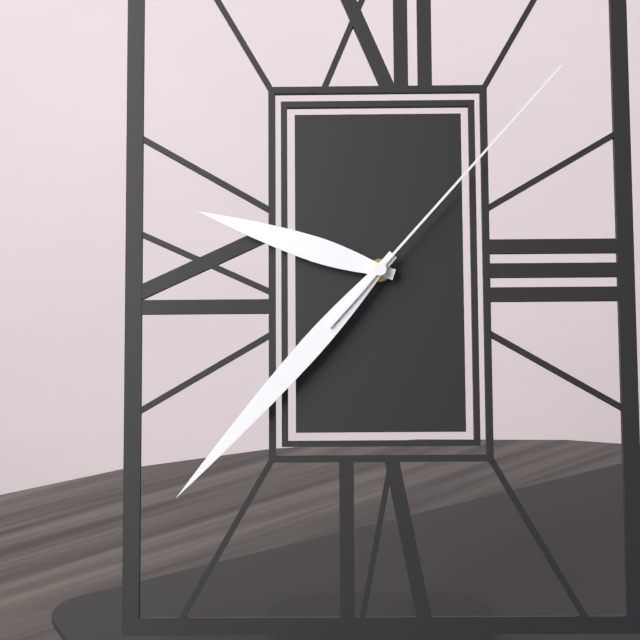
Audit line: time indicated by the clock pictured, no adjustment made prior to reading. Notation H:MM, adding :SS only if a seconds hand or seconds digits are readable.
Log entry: 9:37:07
